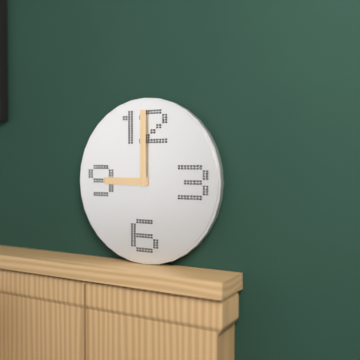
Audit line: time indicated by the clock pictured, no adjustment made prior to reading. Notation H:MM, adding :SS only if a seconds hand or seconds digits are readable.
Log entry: 9:00
